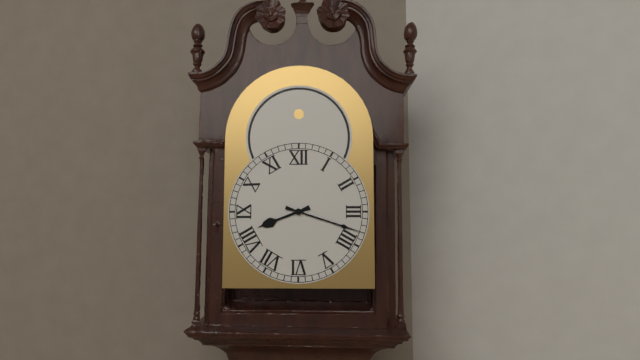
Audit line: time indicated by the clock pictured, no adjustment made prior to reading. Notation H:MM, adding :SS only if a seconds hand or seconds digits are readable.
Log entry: 8:18
